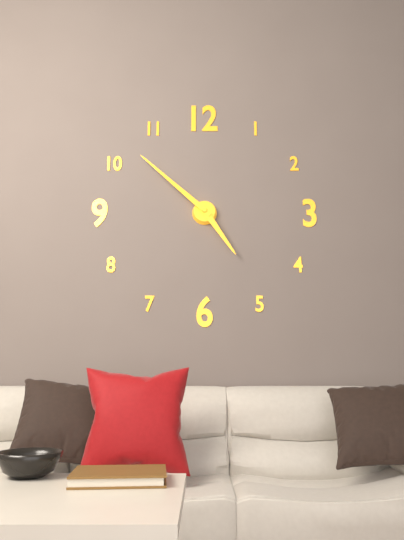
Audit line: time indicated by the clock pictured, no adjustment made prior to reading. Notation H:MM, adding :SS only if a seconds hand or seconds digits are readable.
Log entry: 4:52
